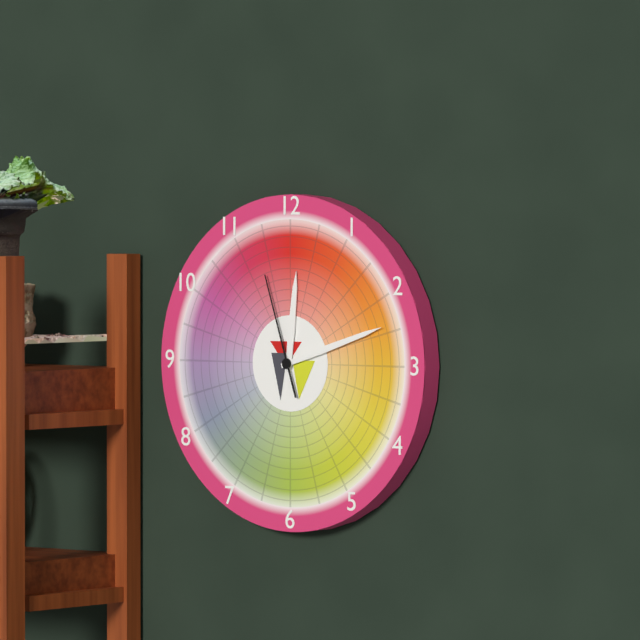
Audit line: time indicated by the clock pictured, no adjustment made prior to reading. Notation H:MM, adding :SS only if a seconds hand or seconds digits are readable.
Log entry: 12:12:57
